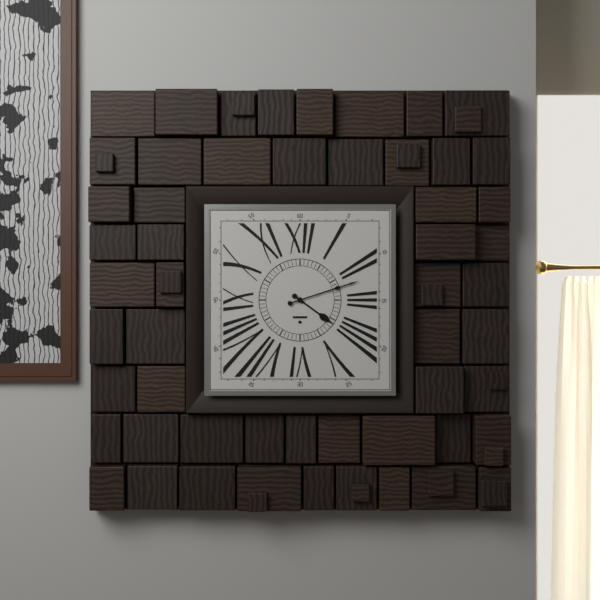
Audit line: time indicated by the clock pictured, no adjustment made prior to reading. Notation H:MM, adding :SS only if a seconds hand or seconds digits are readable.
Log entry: 4:12
